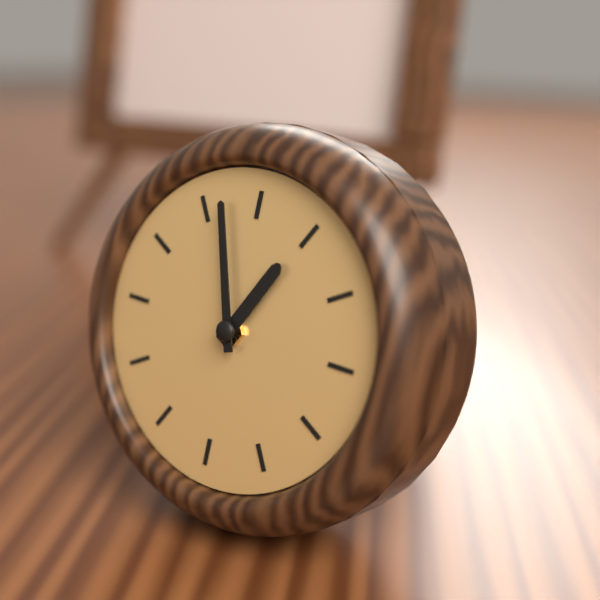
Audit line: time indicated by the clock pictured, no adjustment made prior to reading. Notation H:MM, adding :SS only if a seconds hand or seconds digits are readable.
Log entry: 12:57
